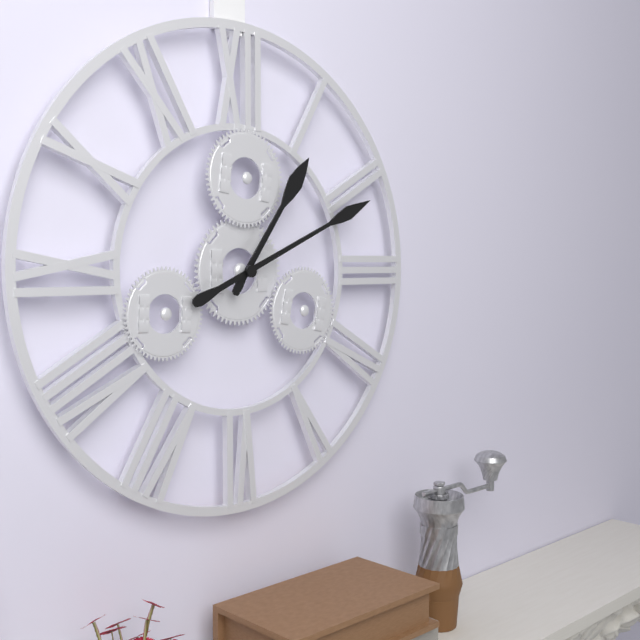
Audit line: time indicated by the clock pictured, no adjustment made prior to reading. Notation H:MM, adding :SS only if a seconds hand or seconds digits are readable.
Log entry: 1:11
